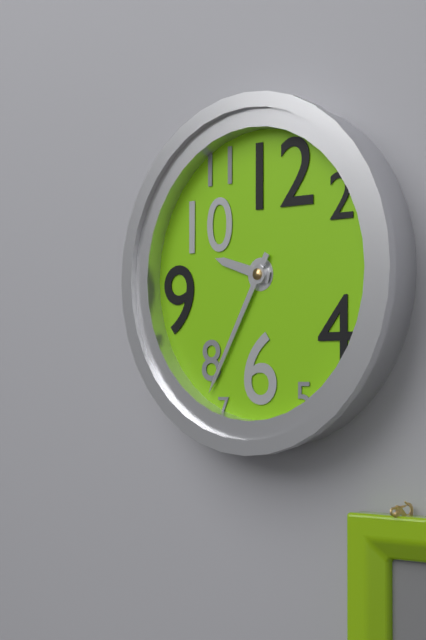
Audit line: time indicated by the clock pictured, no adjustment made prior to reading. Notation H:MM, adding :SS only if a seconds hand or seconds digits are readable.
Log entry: 9:35
